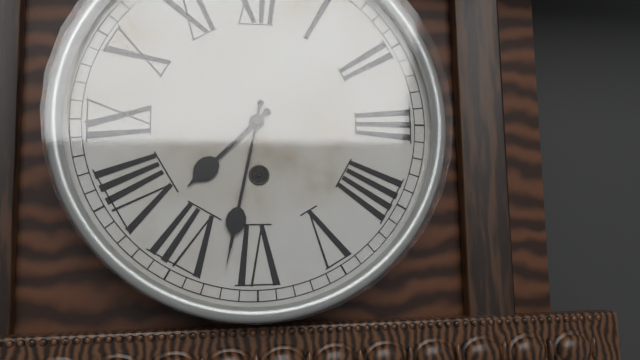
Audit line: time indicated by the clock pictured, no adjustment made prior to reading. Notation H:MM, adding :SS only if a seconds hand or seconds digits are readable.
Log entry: 7:32
